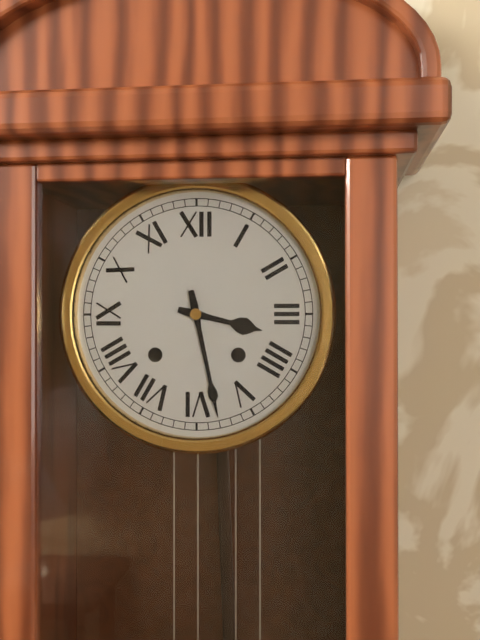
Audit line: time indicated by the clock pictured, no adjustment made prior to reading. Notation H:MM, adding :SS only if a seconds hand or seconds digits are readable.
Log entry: 3:28
